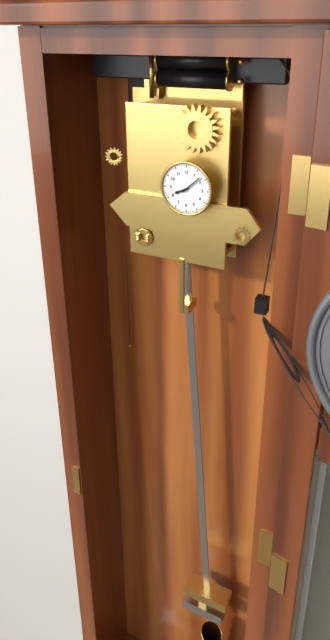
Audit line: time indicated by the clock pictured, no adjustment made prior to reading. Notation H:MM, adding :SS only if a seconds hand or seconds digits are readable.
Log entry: 8:08
